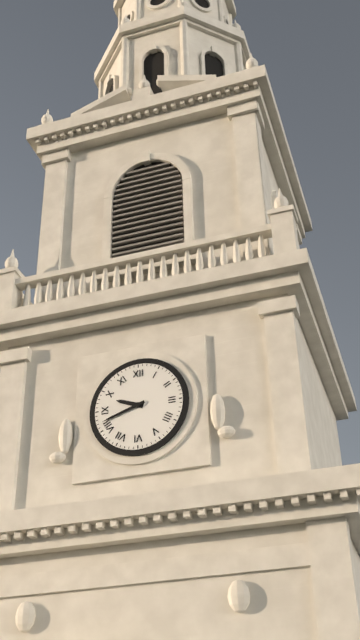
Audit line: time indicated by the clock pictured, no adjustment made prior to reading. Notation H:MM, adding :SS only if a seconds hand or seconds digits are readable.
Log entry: 9:42
